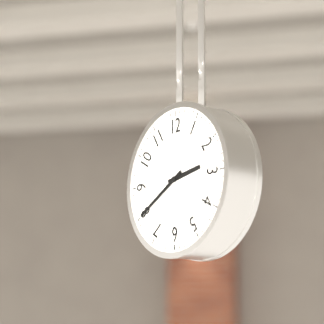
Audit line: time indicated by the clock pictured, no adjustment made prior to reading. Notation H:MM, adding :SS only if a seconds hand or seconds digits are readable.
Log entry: 2:40
